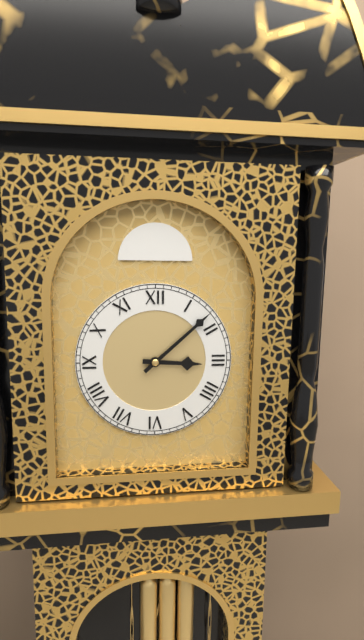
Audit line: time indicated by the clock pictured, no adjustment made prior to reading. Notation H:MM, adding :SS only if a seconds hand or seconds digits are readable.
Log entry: 3:08
